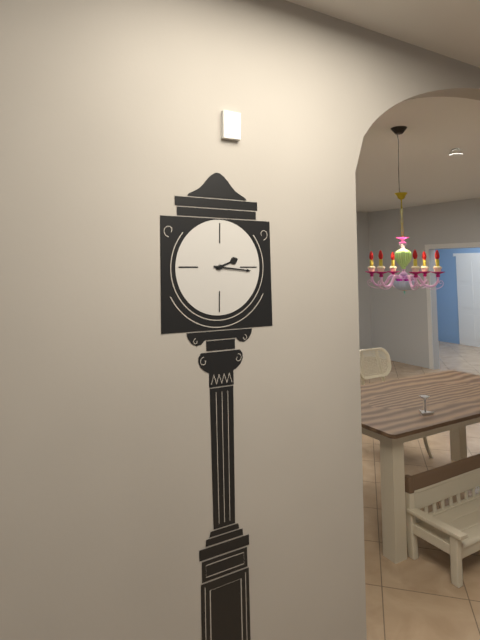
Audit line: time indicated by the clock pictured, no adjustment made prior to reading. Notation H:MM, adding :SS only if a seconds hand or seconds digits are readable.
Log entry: 2:16
